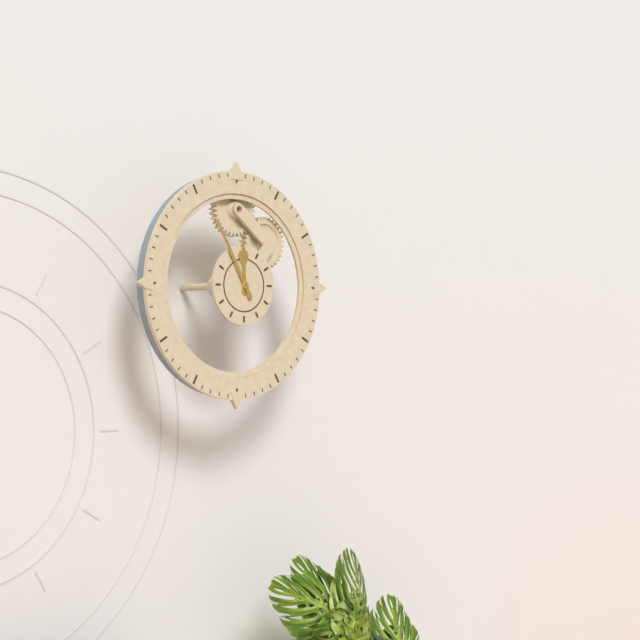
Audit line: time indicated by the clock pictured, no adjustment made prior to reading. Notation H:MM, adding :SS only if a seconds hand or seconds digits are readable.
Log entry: 11:55
